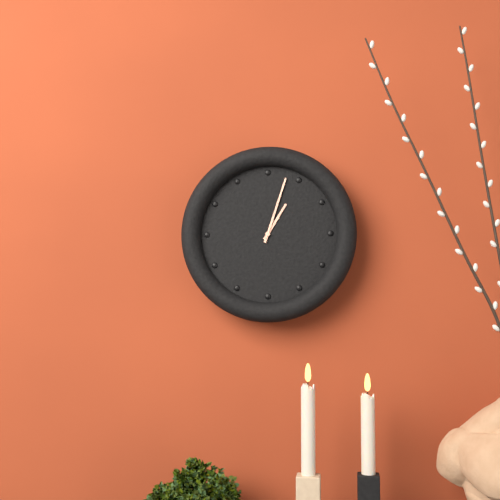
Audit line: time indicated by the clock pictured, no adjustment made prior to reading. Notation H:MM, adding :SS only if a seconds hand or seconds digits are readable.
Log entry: 1:03
